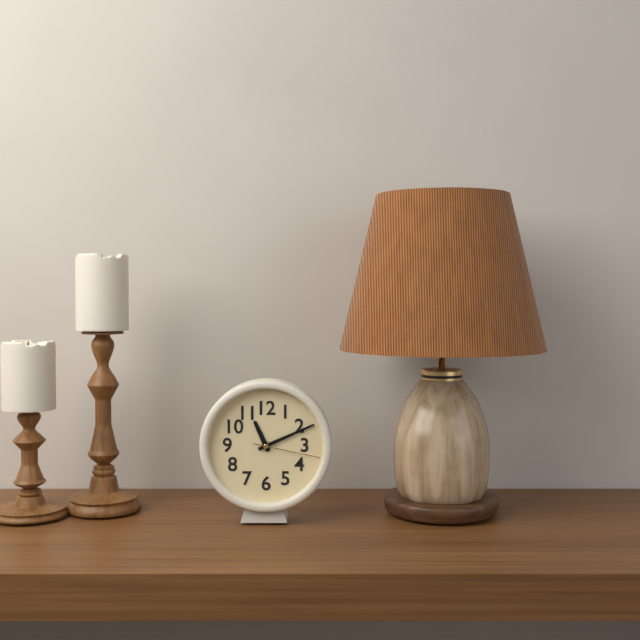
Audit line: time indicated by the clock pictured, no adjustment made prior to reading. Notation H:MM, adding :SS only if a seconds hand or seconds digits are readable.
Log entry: 11:11:17
